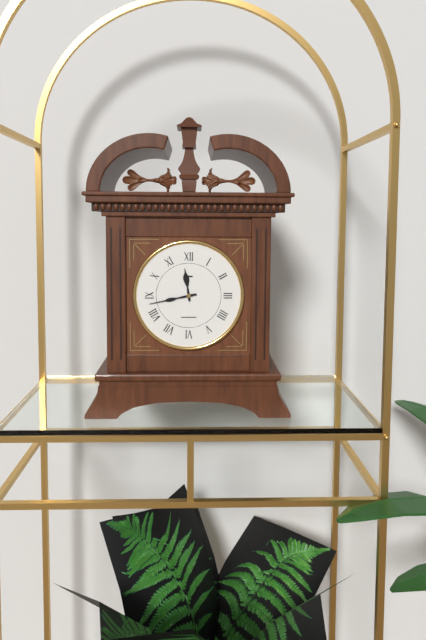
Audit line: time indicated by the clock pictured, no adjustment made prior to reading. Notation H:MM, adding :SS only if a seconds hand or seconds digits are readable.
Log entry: 11:43
